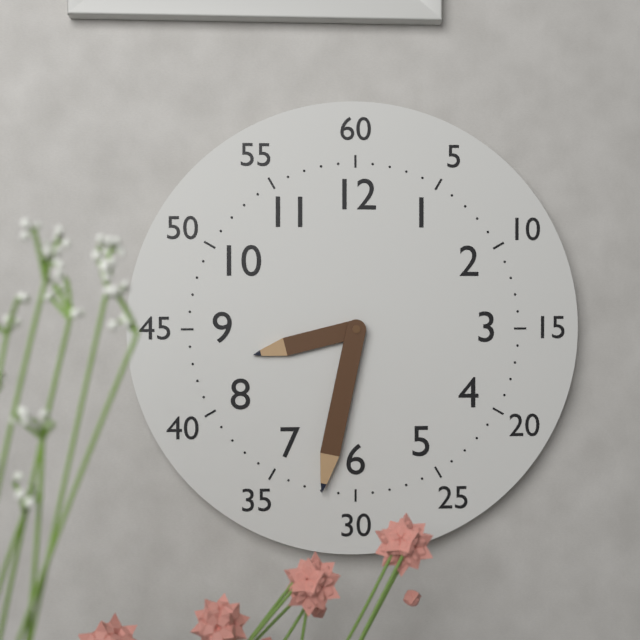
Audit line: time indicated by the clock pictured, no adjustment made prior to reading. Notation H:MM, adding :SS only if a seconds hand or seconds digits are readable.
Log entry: 8:32
